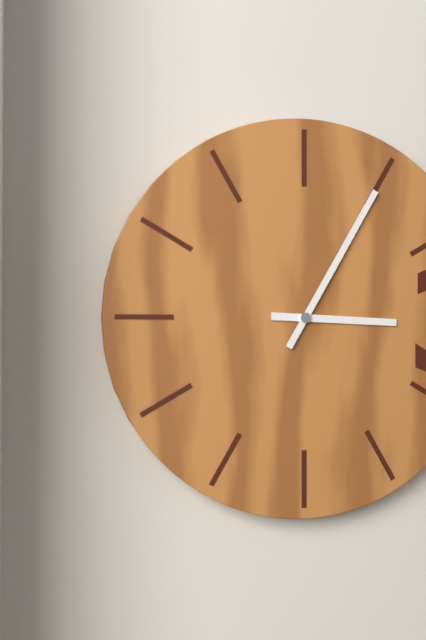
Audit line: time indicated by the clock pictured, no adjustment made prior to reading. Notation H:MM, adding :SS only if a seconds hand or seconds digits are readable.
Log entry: 3:05
